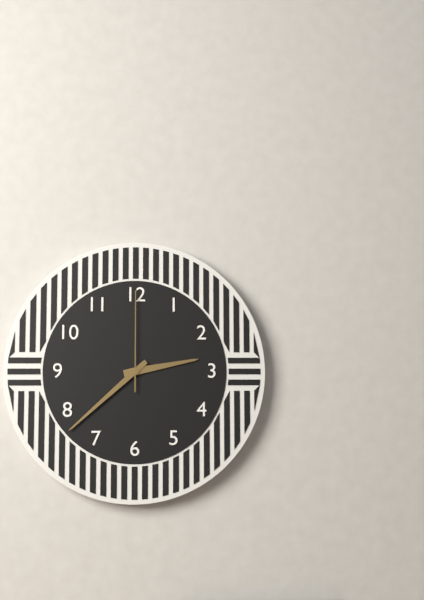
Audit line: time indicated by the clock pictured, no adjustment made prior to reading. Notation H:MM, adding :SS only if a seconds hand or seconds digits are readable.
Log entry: 2:38:00
